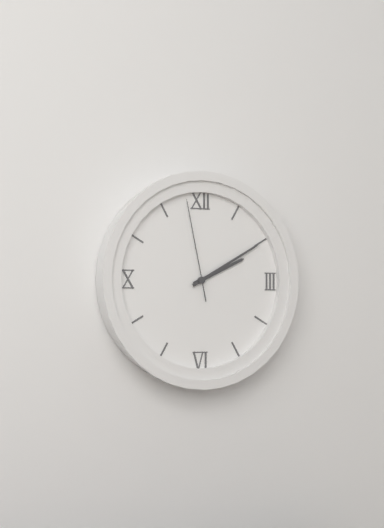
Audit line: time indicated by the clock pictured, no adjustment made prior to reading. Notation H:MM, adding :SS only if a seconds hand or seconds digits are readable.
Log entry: 2:10:58
